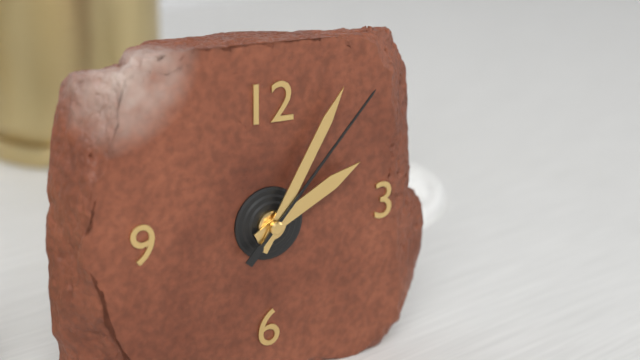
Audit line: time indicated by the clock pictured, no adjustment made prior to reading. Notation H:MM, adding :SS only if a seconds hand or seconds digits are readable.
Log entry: 2:05:07
